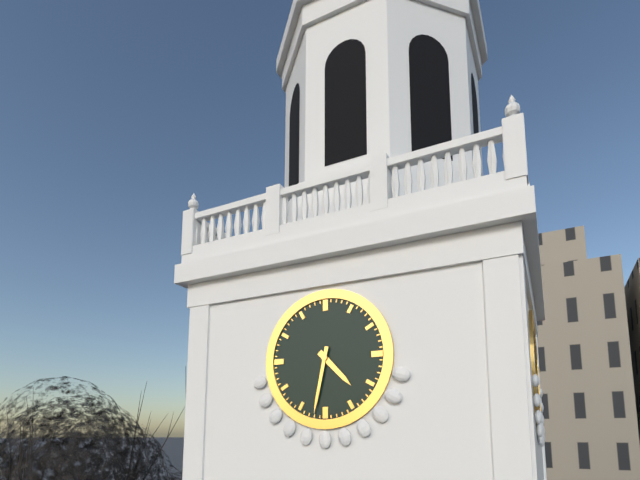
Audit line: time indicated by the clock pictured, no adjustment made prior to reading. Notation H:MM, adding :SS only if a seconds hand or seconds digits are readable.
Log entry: 4:32
